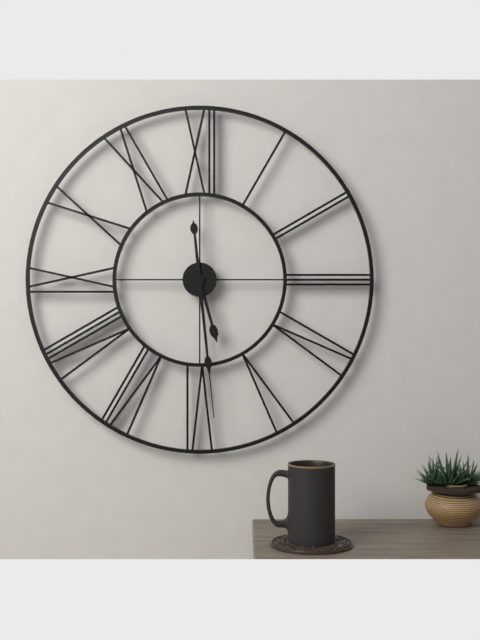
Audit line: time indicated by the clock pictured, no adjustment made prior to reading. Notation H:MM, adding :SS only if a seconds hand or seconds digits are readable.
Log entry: 5:29
